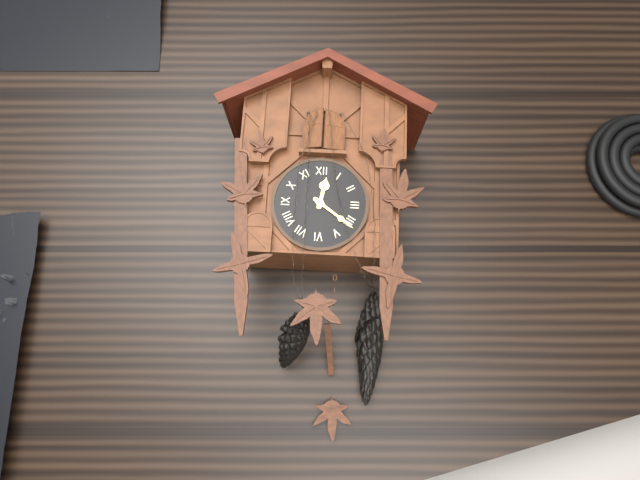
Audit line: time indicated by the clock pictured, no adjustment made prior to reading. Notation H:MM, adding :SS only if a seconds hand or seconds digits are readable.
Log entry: 12:21
